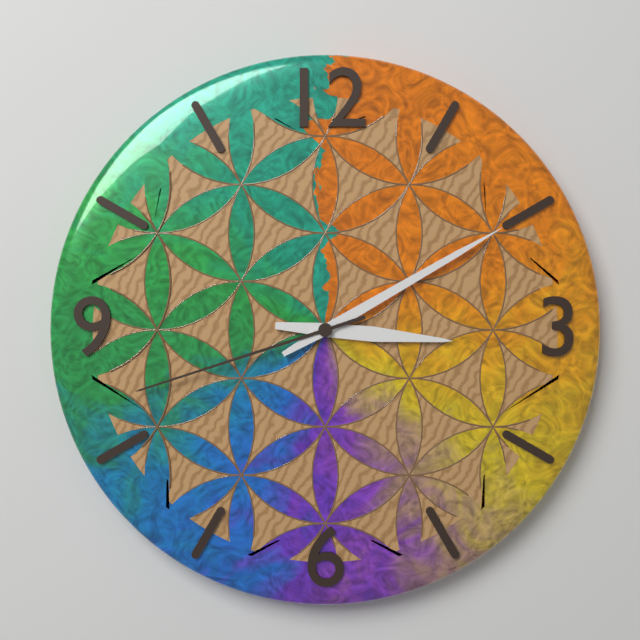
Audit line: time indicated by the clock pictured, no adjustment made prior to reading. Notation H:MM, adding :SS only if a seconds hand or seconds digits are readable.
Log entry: 3:10:42
